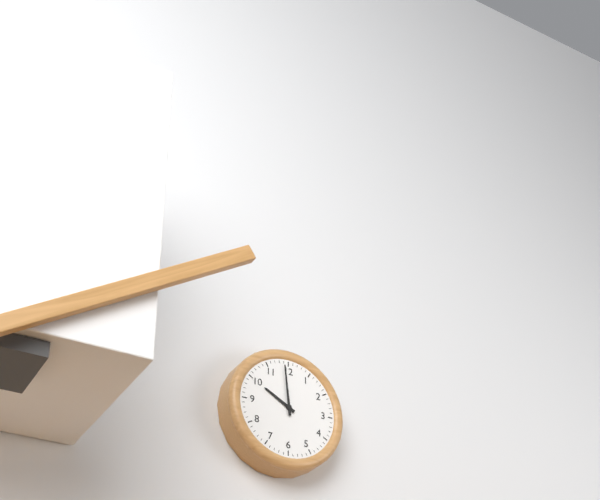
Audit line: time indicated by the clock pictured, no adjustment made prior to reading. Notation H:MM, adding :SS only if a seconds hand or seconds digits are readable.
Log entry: 9:59
